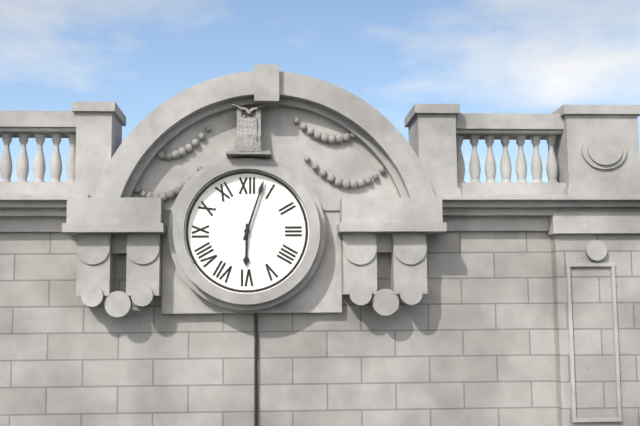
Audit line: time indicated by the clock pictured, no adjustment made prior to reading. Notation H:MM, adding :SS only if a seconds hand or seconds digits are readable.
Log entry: 6:03
